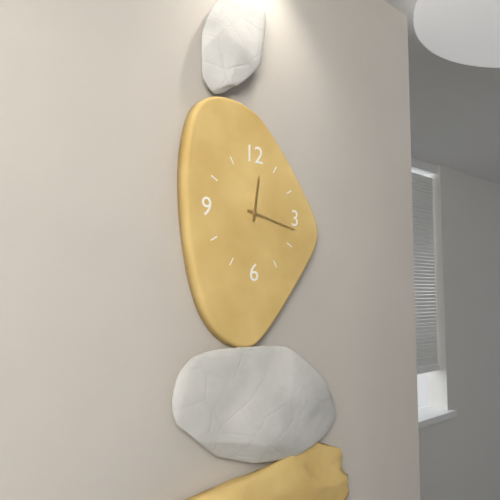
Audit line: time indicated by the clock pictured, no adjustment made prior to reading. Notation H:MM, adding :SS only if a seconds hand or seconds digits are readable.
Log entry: 12:17
